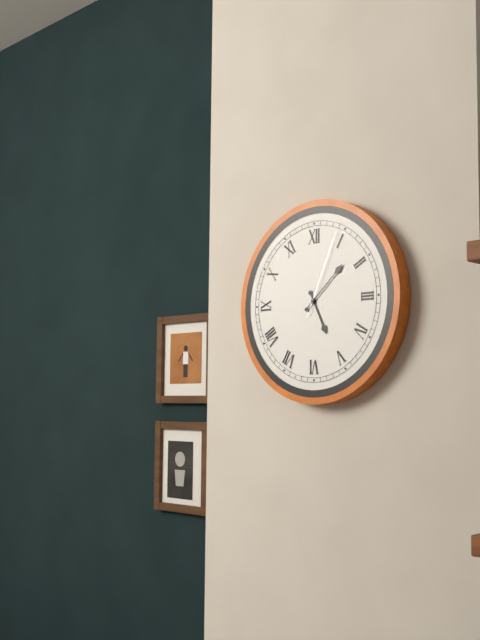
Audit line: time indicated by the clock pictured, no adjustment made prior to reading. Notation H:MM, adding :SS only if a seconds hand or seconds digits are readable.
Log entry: 5:08:04
